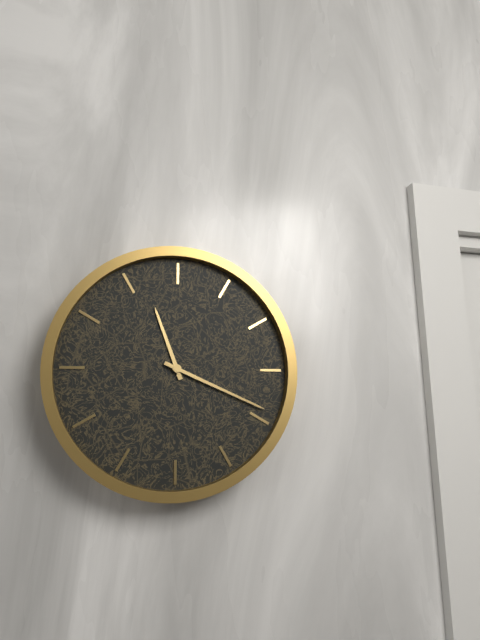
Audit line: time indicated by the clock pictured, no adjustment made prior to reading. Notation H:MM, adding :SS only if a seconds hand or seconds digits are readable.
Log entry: 11:19
